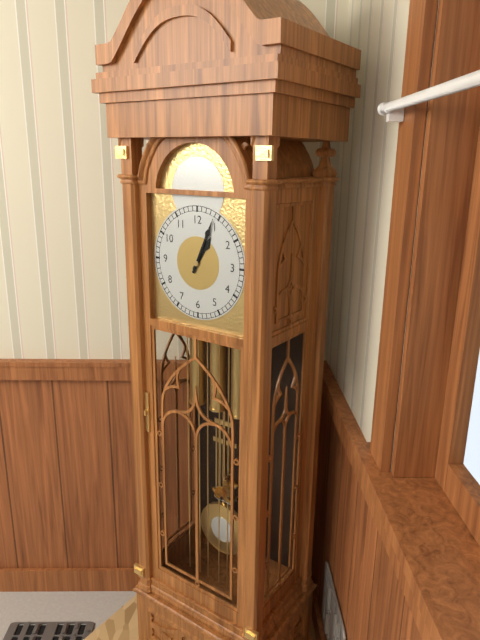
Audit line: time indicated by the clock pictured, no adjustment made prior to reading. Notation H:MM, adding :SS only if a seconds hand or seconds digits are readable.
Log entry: 1:04
